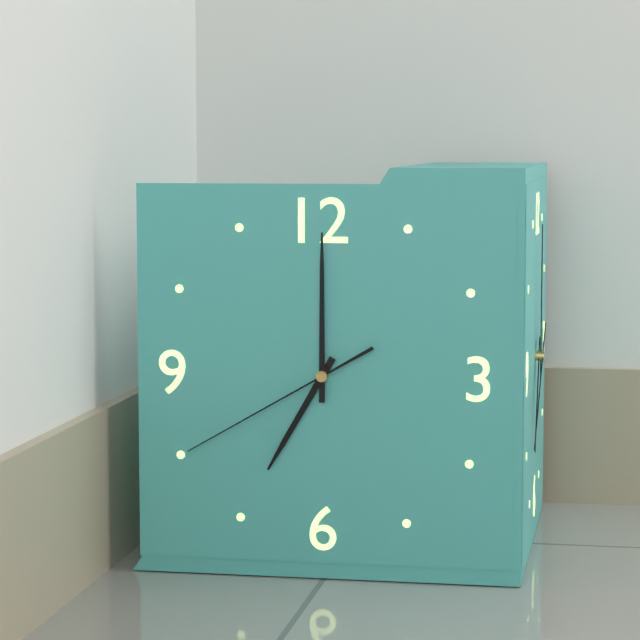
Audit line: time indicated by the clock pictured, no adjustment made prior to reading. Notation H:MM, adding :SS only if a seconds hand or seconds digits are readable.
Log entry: 7:00:40
